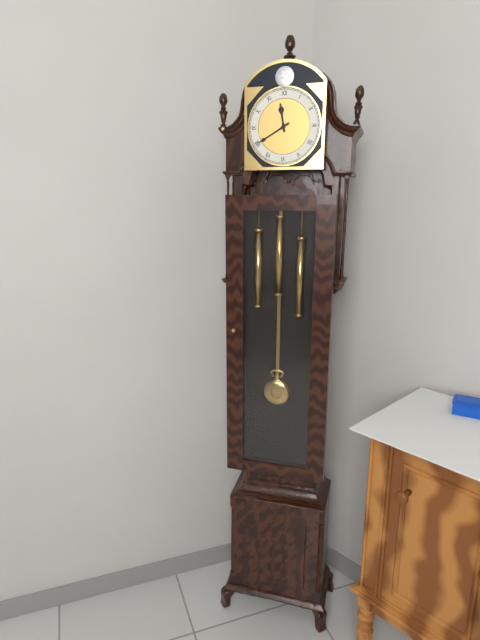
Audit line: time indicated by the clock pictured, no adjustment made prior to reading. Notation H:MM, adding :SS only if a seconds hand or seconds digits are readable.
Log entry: 11:40
